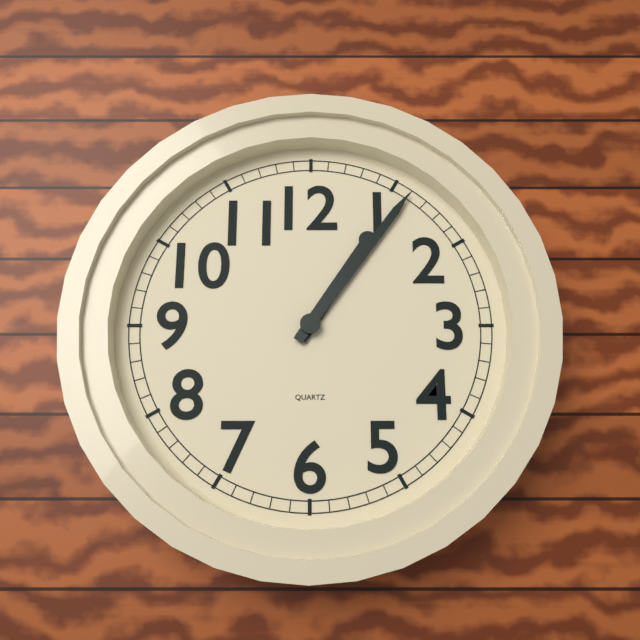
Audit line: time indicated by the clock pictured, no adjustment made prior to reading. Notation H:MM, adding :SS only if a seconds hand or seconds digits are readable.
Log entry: 1:06
